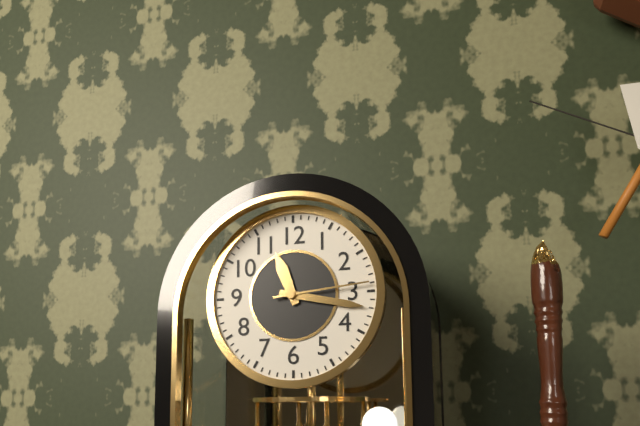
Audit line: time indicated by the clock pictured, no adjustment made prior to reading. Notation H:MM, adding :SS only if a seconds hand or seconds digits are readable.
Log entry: 11:17:14
